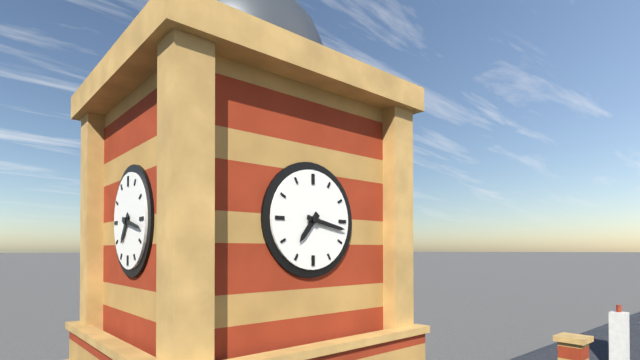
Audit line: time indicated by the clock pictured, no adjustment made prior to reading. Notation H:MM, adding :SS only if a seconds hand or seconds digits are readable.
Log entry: 7:17
